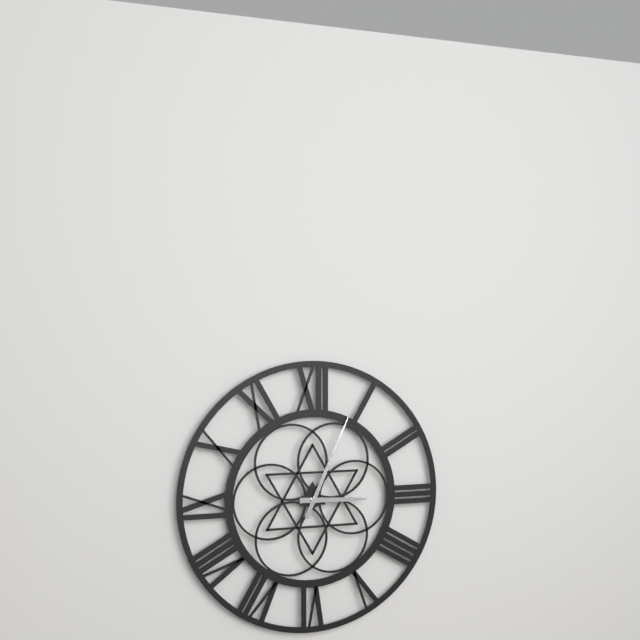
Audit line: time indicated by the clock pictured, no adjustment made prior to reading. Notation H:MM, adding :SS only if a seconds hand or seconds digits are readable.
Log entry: 3:04
